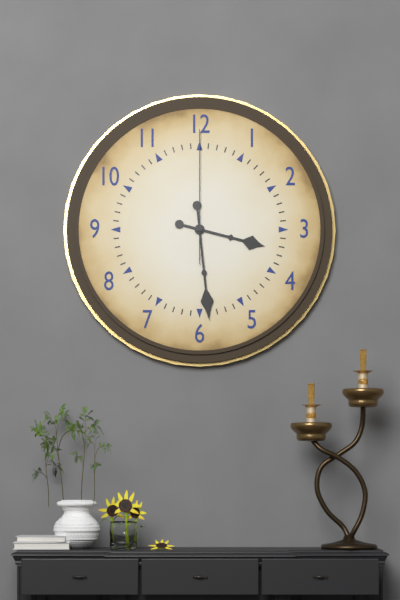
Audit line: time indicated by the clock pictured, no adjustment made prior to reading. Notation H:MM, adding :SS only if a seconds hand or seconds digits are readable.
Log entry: 3:29:00
